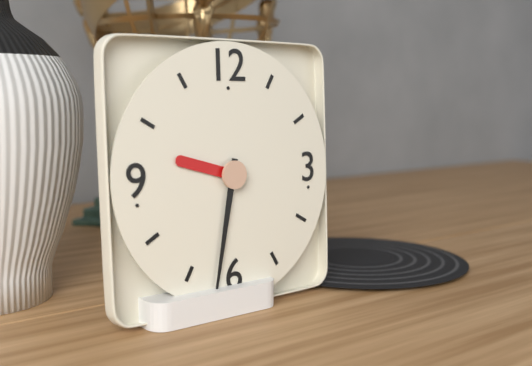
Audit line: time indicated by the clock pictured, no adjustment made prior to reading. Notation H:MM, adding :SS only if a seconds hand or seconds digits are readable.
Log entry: 9:32
